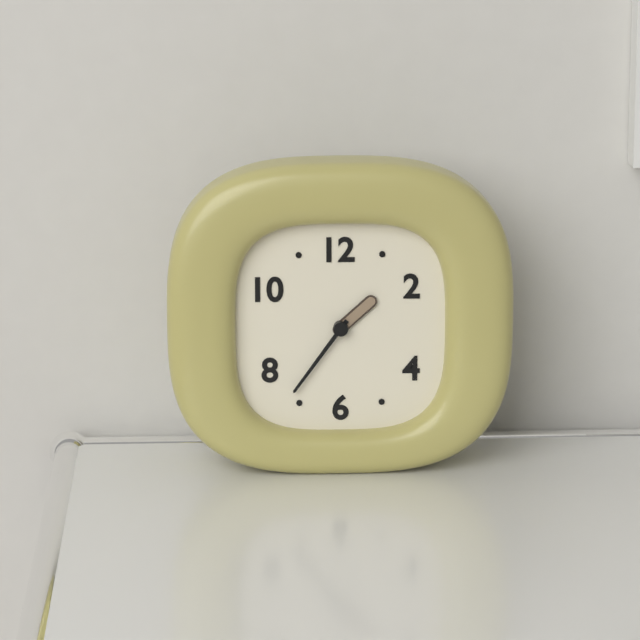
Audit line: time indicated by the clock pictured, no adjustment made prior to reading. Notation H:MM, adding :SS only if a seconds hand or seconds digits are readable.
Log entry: 1:36
